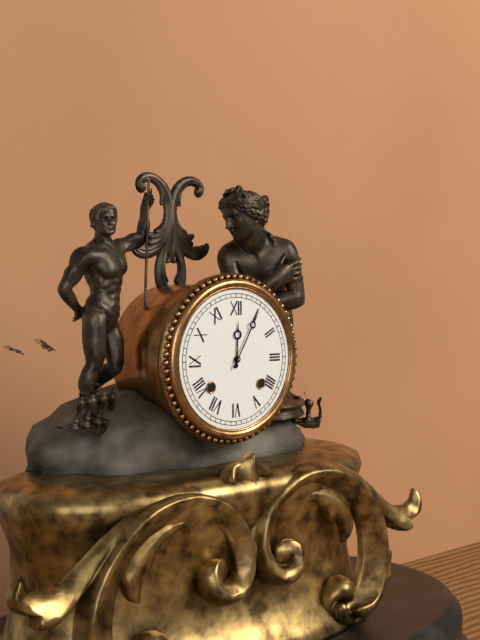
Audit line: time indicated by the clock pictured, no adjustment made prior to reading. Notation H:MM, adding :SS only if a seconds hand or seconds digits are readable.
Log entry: 12:05
